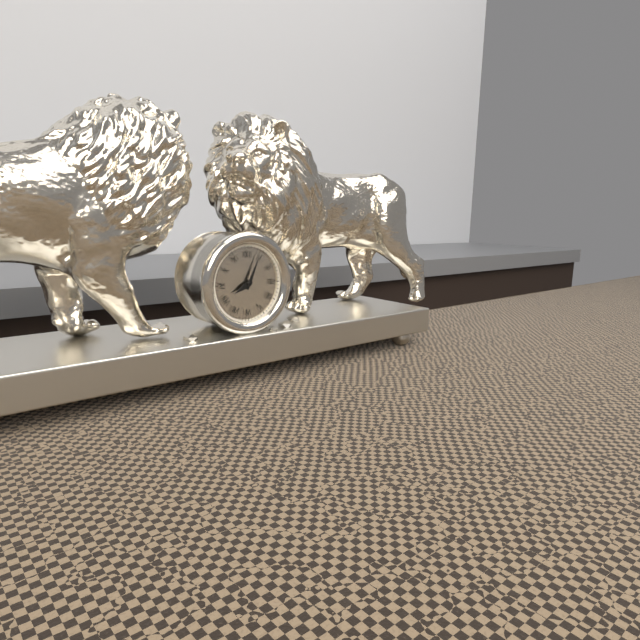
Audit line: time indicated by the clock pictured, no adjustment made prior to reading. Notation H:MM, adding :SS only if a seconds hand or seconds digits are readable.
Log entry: 8:04
